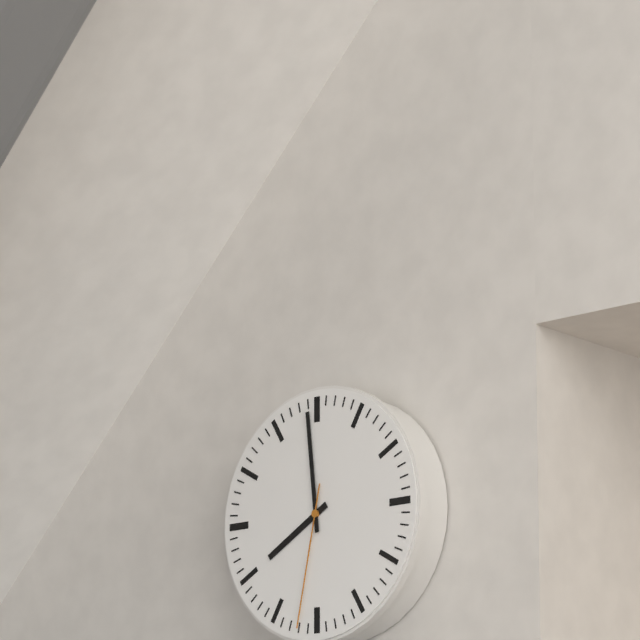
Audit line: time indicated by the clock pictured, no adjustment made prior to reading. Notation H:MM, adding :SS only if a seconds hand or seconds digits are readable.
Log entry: 7:59:32
